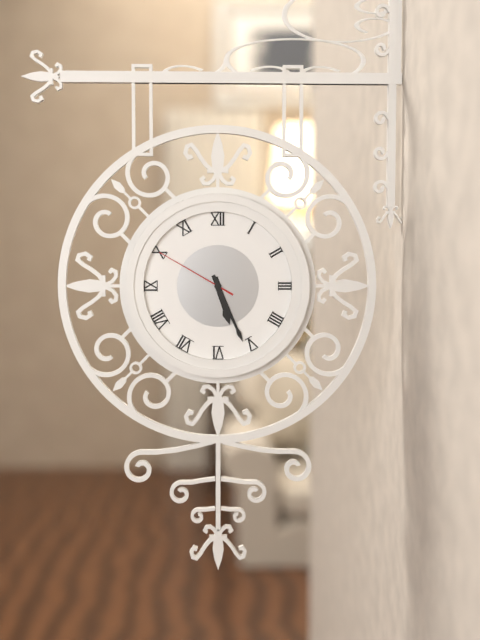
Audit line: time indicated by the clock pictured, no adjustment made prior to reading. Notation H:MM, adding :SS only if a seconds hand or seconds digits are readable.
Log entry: 5:26:50
